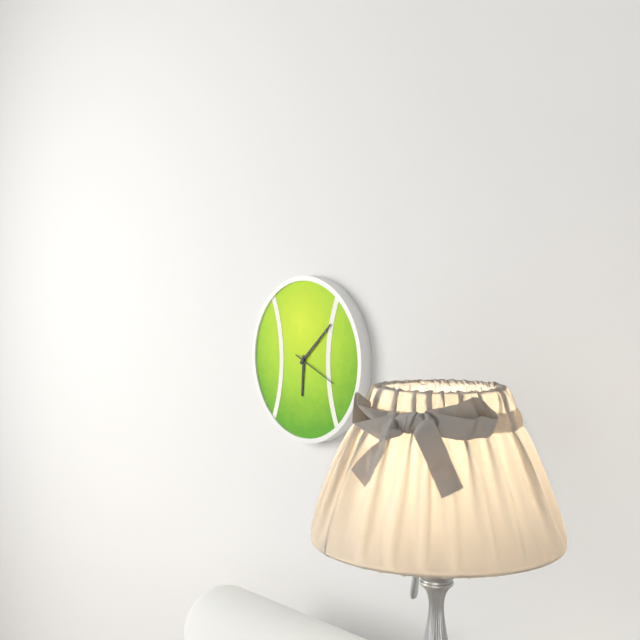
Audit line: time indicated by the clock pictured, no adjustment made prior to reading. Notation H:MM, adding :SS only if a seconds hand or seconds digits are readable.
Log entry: 6:08
